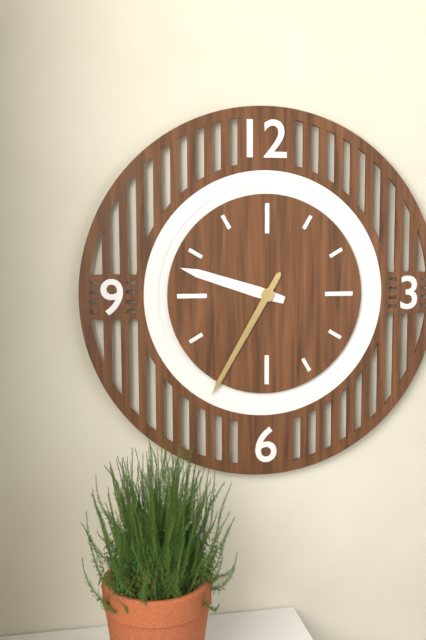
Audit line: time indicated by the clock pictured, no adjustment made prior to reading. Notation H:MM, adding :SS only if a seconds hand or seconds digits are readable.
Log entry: 9:35:35
